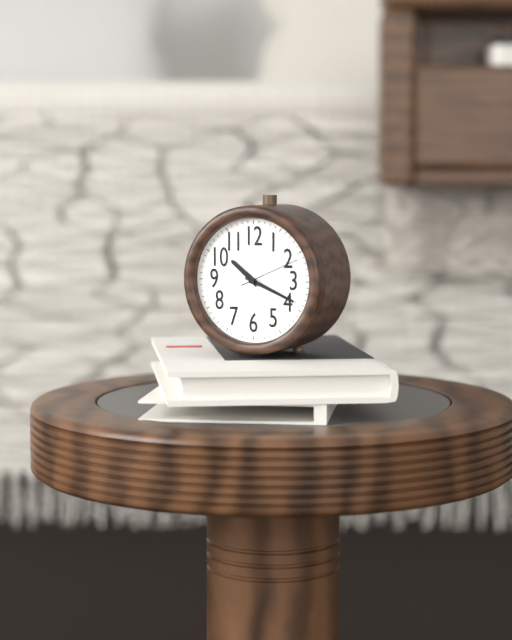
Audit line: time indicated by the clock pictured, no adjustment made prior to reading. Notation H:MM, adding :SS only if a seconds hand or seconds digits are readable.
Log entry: 10:19:11
